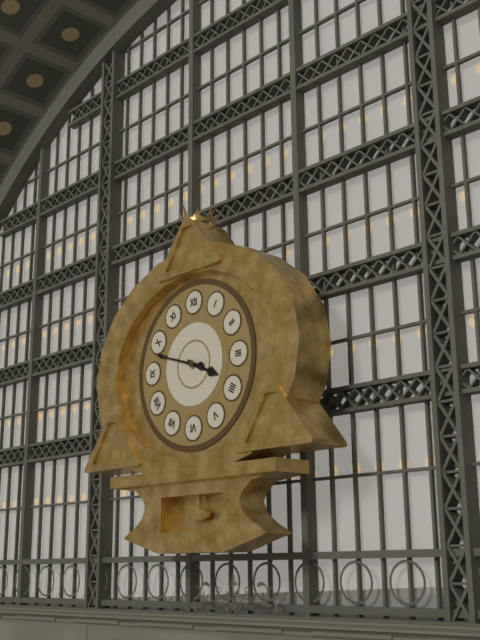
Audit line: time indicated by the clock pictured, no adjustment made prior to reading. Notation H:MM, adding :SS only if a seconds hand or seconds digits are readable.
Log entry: 3:48
